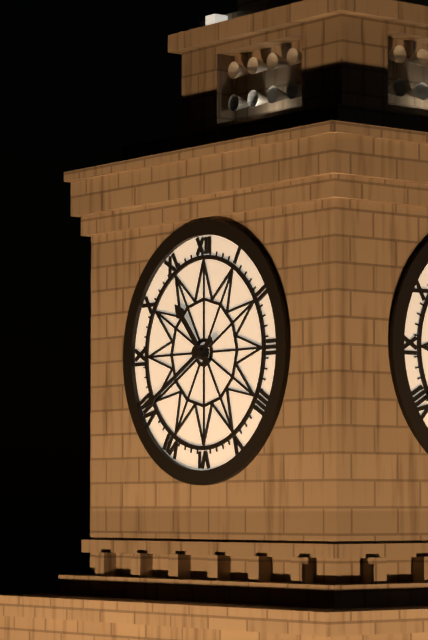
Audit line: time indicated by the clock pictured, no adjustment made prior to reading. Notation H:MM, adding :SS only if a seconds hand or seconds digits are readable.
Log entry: 10:40
